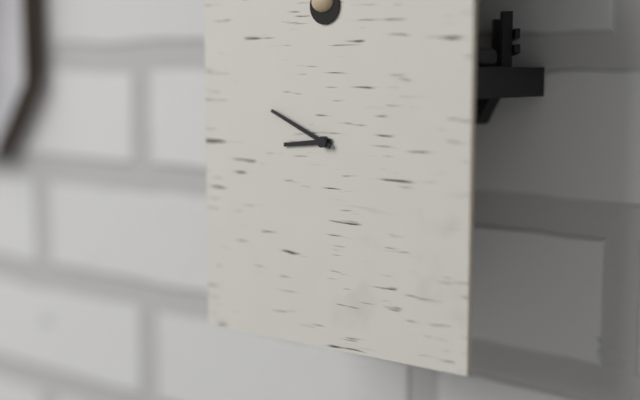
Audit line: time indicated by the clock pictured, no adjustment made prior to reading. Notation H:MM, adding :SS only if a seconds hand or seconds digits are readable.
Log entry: 8:49
